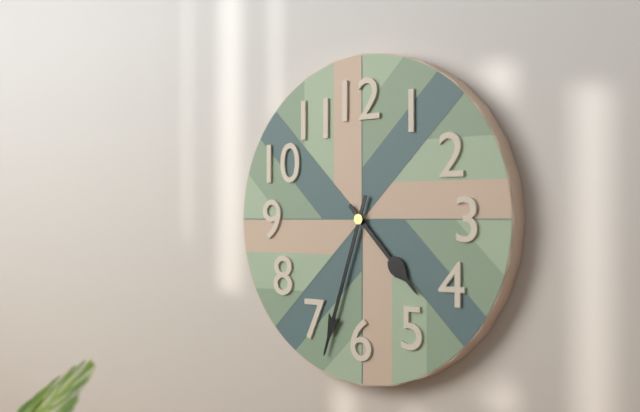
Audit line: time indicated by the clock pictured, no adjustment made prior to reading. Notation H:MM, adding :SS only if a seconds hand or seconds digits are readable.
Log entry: 4:33
